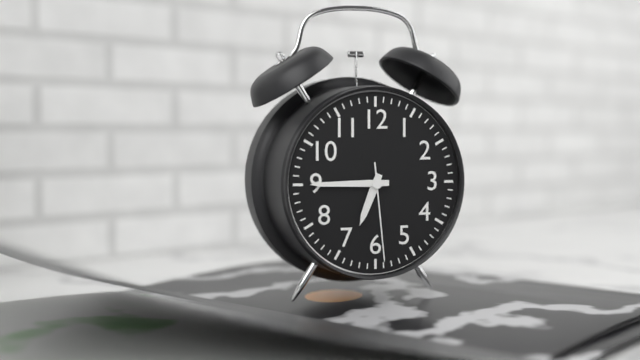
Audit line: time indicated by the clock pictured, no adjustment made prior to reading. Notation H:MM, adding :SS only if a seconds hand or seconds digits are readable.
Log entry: 6:45:29
